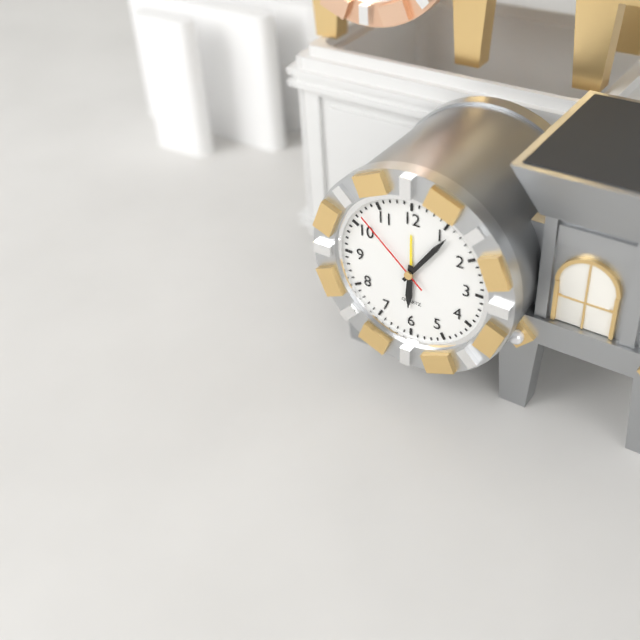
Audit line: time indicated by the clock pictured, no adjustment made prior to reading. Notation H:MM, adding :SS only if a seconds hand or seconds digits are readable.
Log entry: 6:06:52
